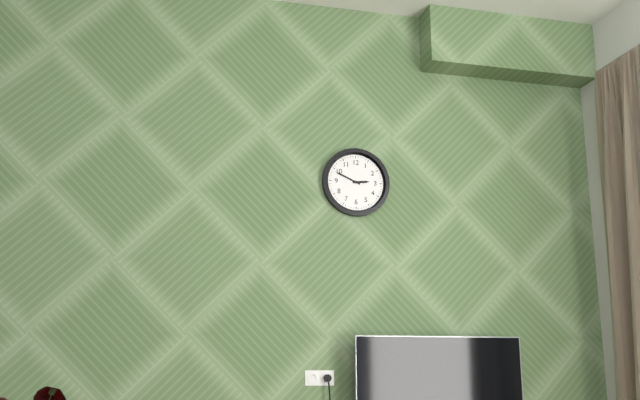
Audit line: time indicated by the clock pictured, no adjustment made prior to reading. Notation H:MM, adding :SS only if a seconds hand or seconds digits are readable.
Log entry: 2:49
